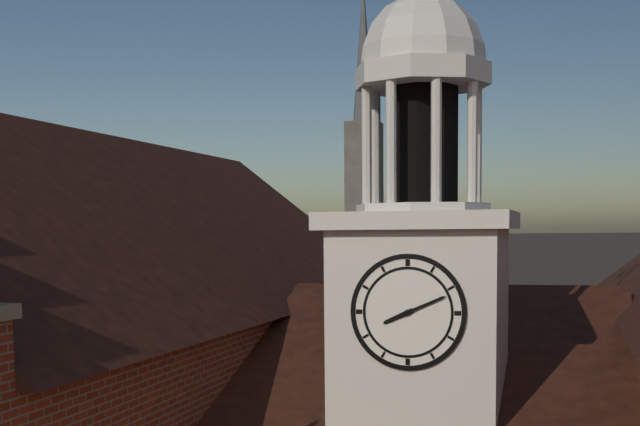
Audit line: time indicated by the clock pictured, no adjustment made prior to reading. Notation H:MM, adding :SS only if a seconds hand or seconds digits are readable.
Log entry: 8:11
